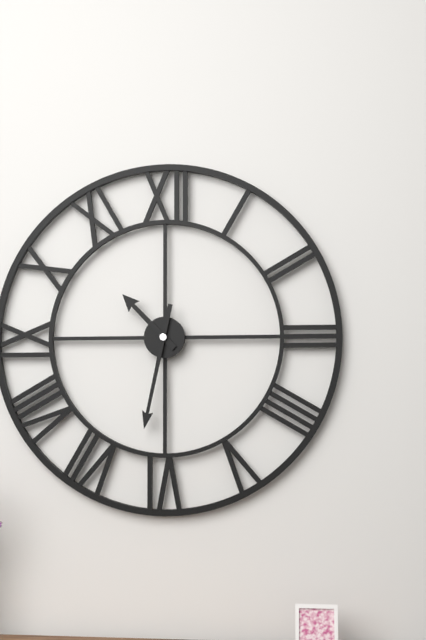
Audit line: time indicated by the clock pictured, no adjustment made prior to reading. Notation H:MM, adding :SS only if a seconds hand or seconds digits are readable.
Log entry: 10:32
